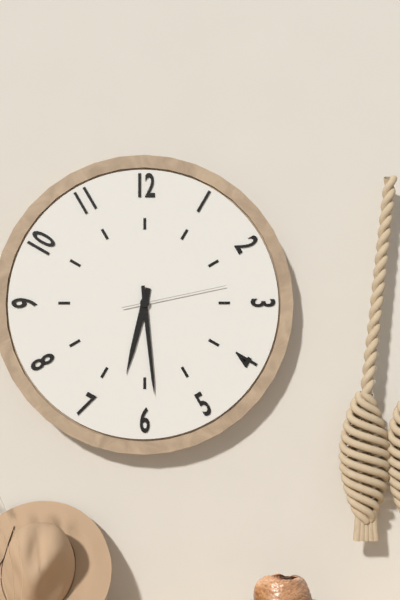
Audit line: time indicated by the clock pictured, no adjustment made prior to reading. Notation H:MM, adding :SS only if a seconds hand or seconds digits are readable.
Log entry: 6:29:13
